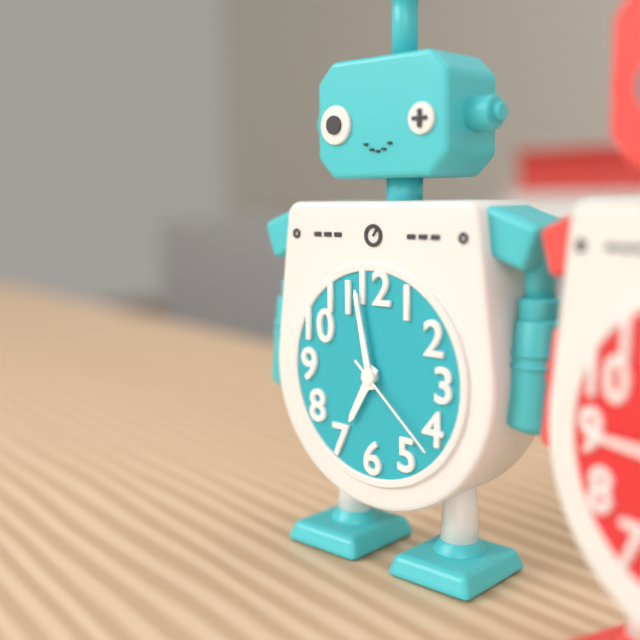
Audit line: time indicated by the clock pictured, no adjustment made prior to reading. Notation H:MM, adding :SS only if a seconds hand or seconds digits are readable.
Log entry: 6:58:22
